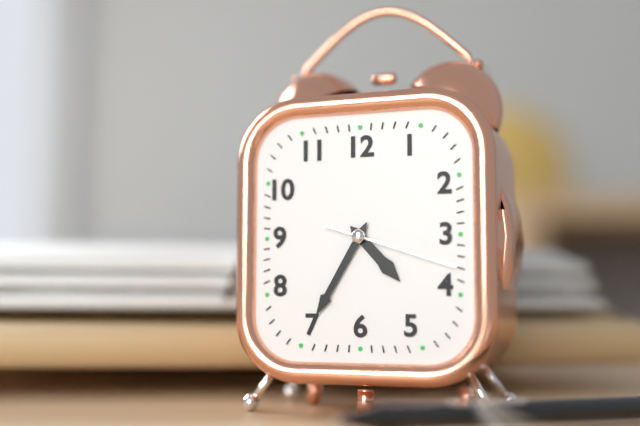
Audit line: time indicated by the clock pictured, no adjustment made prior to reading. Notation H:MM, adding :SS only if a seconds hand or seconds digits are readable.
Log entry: 4:35:18
